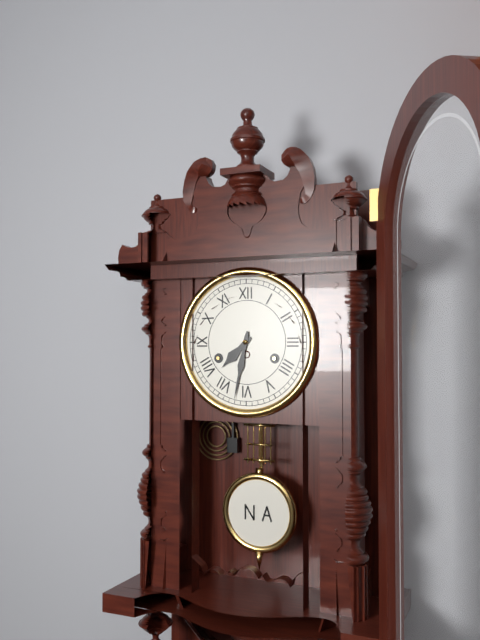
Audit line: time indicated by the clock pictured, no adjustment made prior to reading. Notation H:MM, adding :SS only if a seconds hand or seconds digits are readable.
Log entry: 7:32
